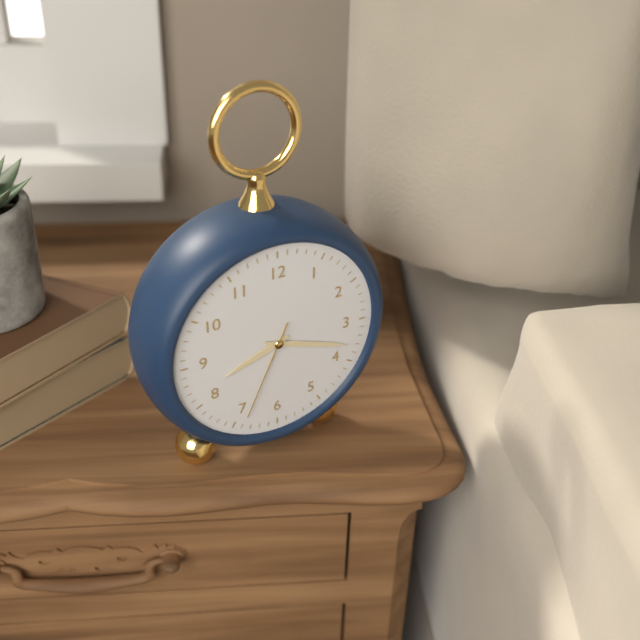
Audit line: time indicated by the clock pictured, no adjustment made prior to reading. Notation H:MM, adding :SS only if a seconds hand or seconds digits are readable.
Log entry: 8:18:34
